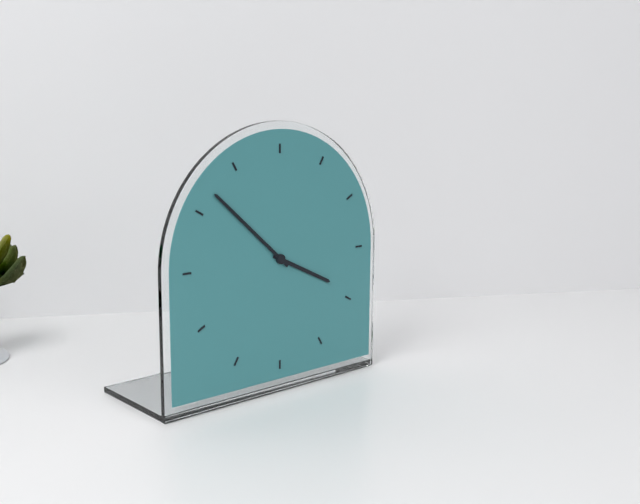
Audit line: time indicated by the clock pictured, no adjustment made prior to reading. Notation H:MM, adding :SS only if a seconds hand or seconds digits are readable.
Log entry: 3:52
